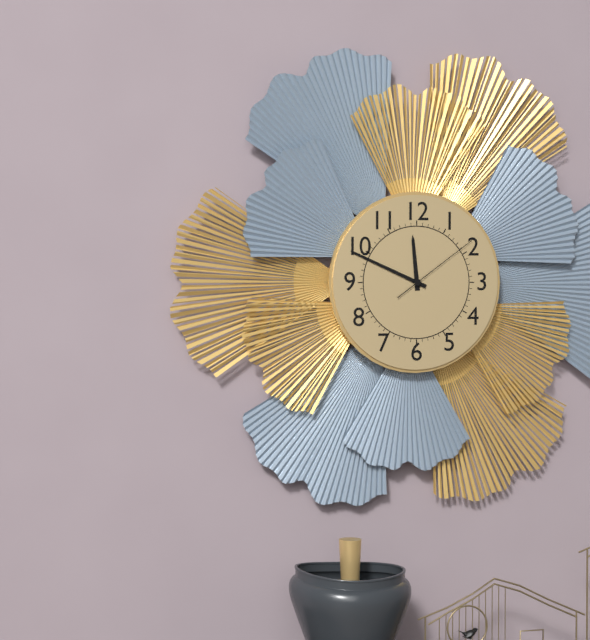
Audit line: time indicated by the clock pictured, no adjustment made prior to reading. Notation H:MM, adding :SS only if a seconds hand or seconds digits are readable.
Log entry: 11:49:09
